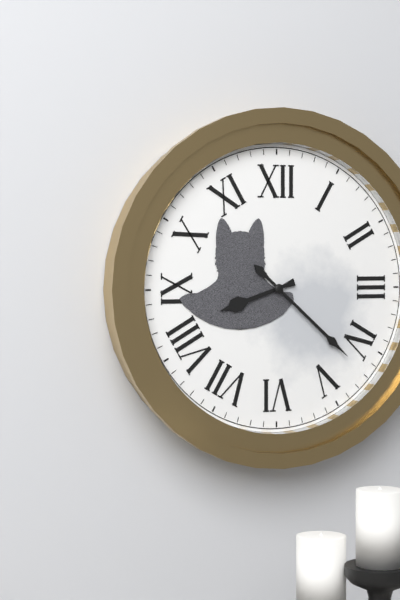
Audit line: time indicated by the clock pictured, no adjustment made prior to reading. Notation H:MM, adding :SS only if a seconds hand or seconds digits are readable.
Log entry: 8:22
